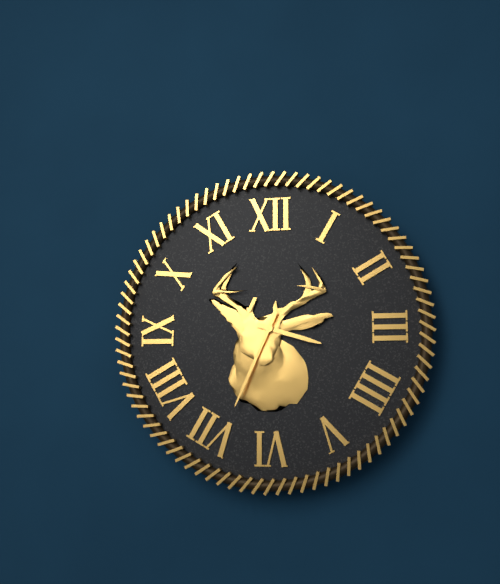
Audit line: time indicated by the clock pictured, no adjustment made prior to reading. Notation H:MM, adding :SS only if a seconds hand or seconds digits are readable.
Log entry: 3:34
